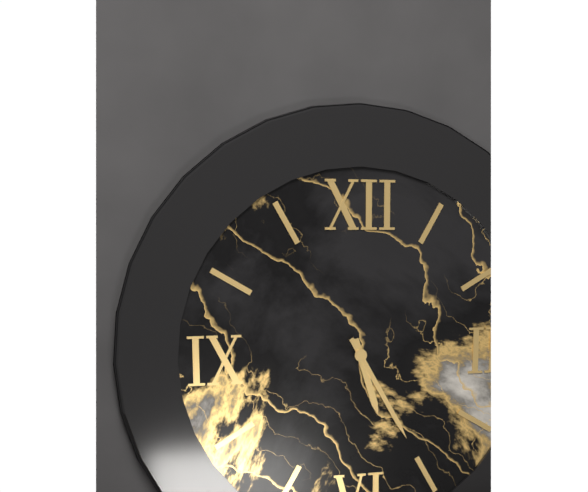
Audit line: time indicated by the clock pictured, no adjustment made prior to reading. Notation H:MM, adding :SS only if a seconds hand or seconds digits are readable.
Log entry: 5:25
